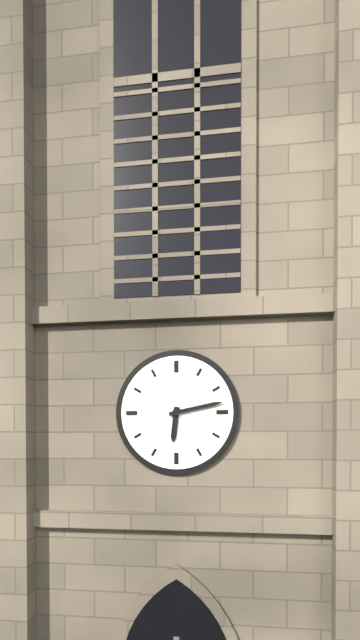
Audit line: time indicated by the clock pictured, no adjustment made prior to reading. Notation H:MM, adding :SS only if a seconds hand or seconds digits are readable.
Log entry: 6:13
